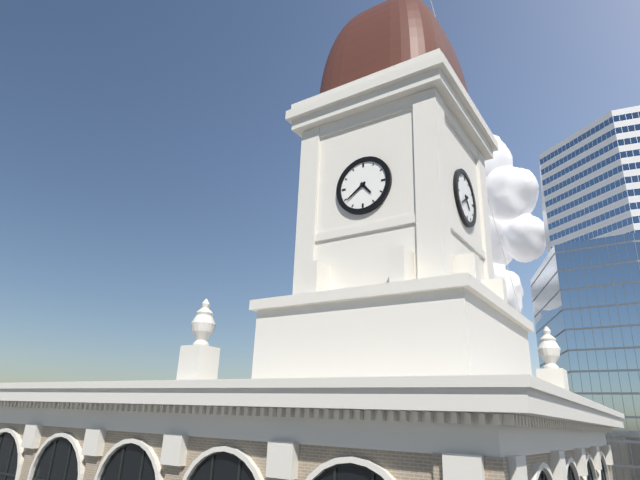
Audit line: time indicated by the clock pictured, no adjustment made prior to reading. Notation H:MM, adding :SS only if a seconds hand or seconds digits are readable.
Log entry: 4:39
